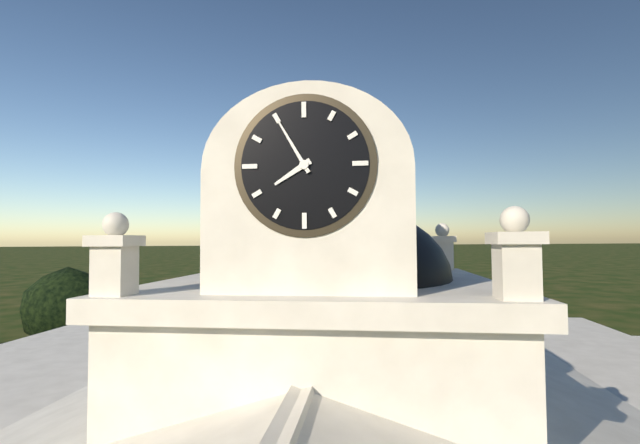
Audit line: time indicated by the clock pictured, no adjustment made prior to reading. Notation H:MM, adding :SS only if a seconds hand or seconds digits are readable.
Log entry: 7:55
